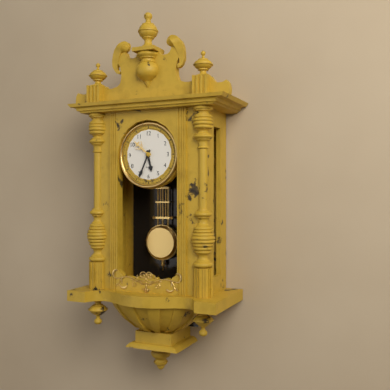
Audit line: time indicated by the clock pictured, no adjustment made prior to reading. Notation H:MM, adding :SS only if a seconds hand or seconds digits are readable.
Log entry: 5:34
